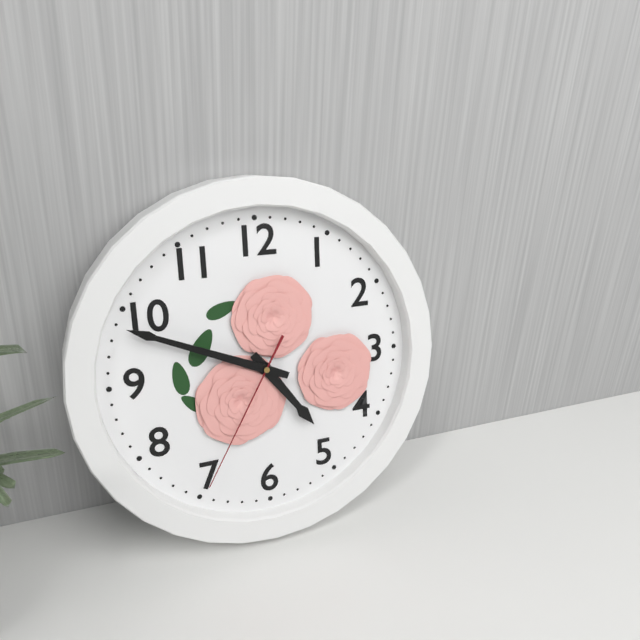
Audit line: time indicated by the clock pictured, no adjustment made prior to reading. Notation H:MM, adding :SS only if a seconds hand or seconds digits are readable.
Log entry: 4:49:35
